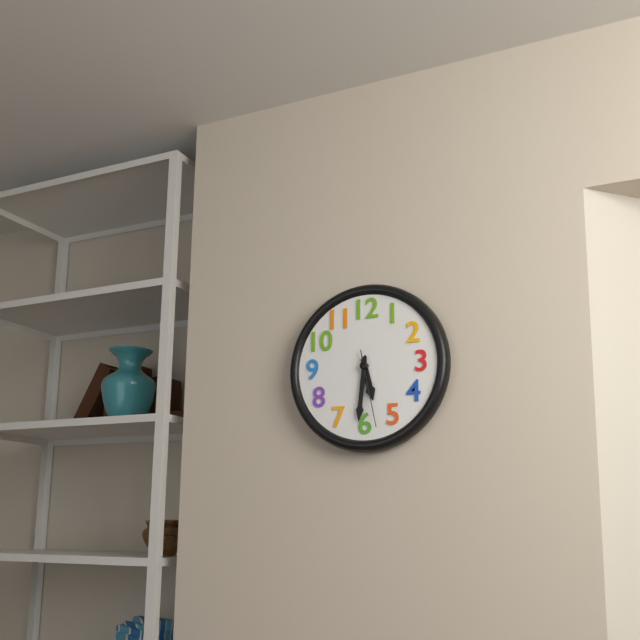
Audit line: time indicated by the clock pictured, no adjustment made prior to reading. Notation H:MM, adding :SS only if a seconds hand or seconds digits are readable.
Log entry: 5:31:28
